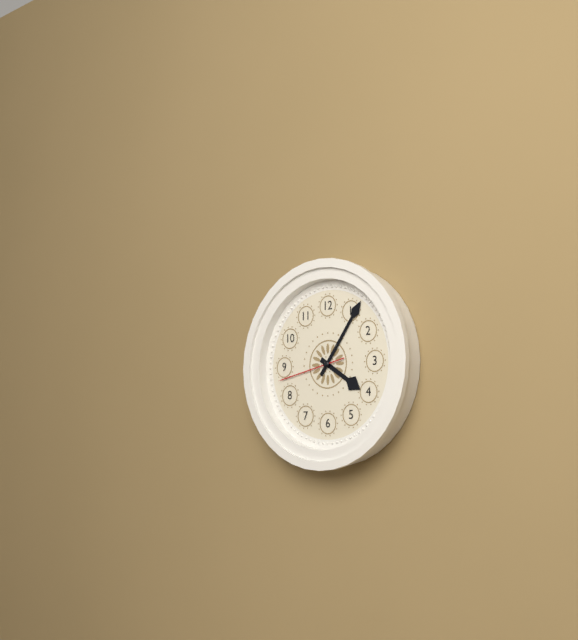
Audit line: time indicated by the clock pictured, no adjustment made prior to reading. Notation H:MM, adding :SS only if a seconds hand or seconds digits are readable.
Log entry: 4:06:43
